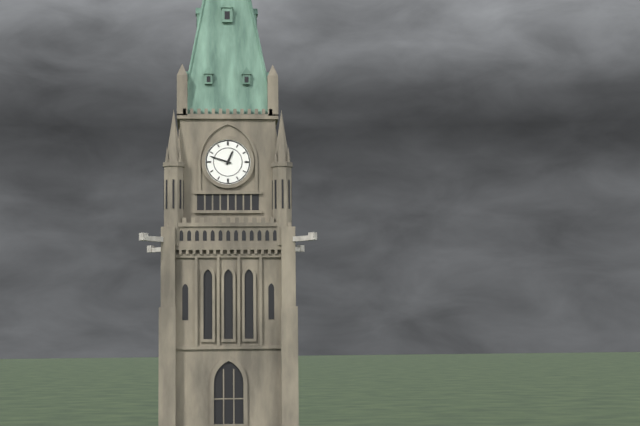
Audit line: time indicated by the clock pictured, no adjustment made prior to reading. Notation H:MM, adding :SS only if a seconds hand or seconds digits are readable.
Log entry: 12:48
